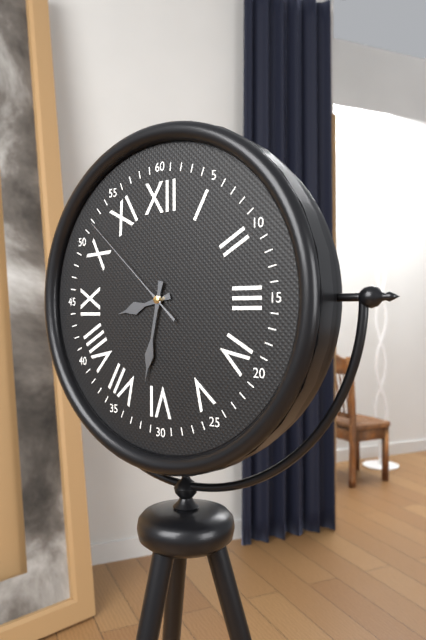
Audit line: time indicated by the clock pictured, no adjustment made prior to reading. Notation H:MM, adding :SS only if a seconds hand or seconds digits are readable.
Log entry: 8:32:52
